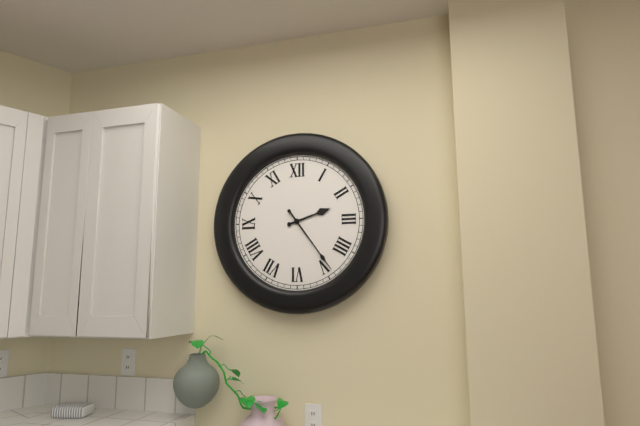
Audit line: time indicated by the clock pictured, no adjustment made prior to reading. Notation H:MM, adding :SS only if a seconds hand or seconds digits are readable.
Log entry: 2:24
